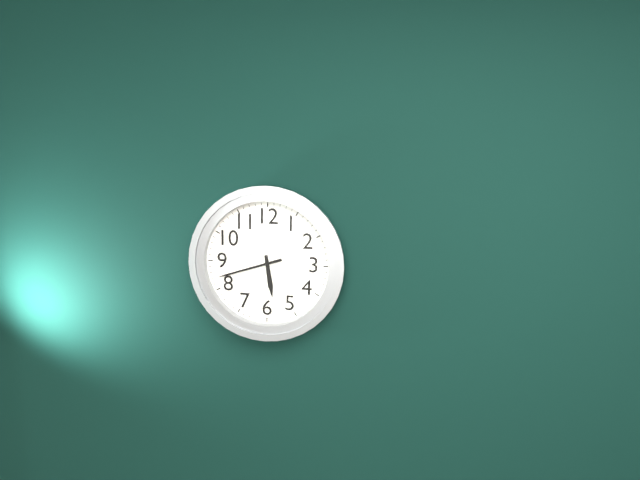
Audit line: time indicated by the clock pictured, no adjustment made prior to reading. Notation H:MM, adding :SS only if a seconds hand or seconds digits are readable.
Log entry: 5:42
